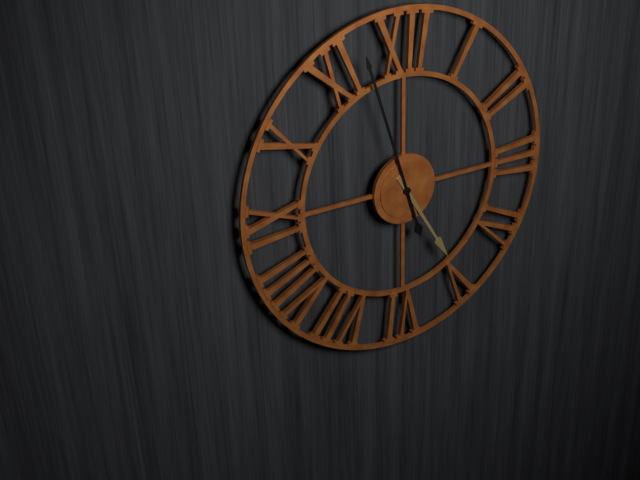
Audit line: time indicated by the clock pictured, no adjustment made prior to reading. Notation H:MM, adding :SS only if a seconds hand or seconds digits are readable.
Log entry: 4:57
